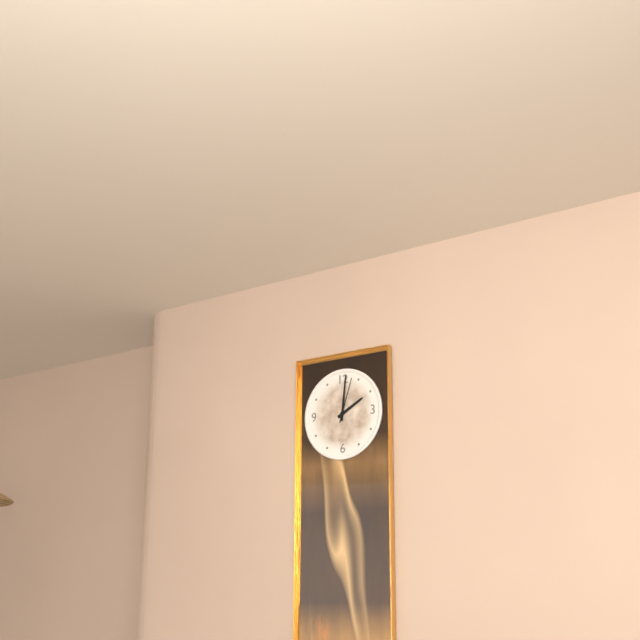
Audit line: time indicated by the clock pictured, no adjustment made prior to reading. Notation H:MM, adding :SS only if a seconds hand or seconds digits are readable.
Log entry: 2:01
